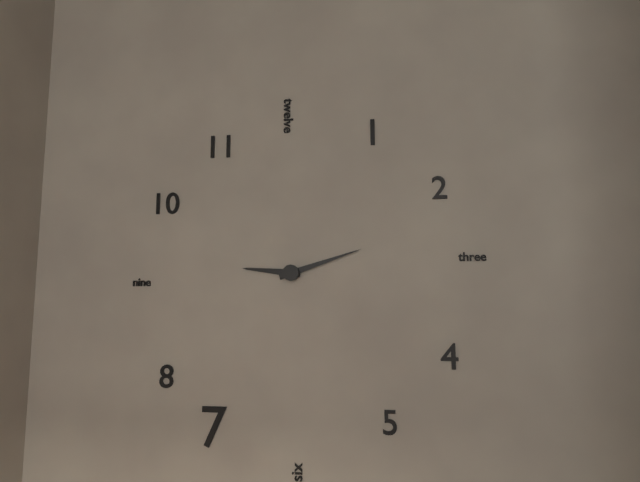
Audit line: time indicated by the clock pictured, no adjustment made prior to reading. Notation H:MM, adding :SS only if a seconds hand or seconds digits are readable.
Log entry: 9:12
